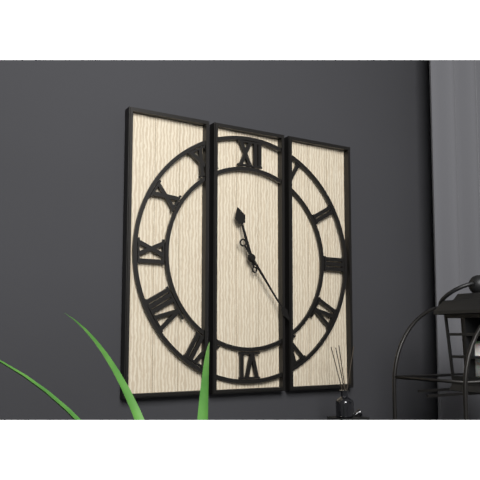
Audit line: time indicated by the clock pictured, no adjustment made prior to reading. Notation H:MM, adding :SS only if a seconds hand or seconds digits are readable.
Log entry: 11:24
